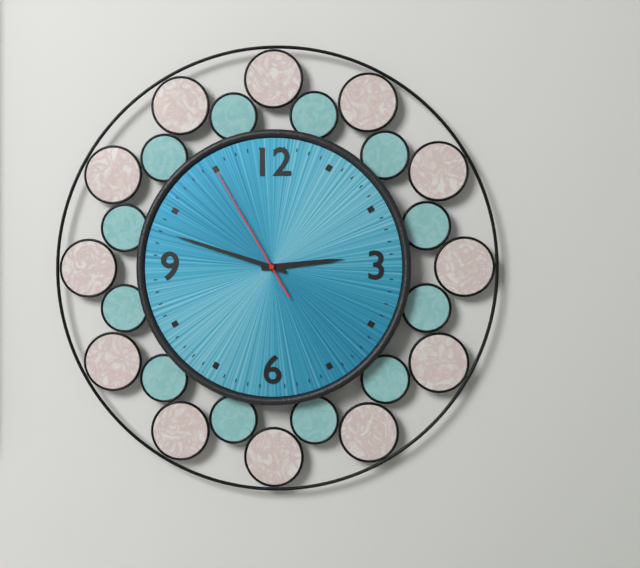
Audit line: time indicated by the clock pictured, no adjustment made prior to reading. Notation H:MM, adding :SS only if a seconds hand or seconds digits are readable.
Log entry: 2:48:55
